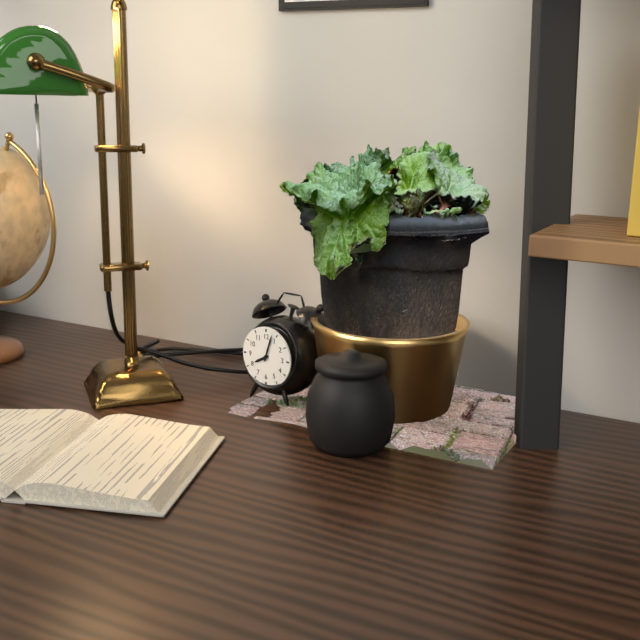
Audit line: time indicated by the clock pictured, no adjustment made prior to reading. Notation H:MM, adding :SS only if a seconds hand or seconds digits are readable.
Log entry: 8:03
